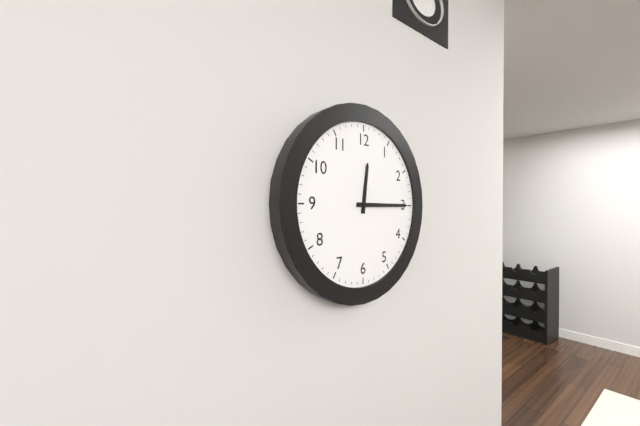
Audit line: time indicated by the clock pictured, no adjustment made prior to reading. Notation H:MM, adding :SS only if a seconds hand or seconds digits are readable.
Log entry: 12:15
